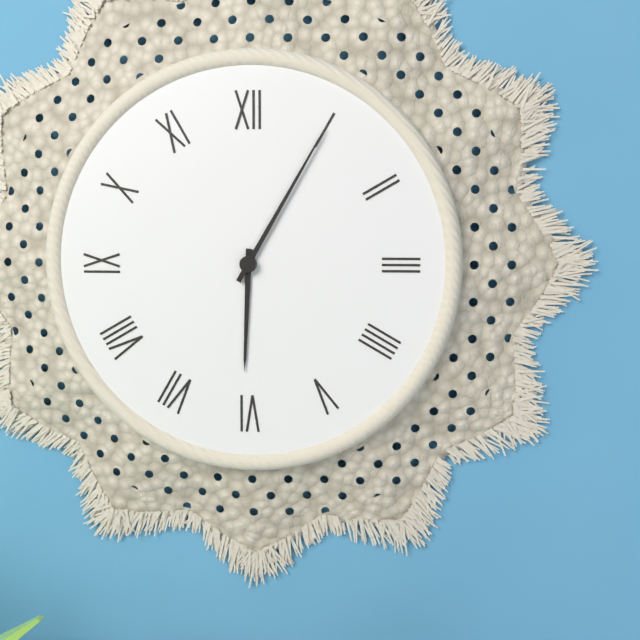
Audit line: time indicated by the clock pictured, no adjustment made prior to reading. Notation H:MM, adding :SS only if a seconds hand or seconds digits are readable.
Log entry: 6:05
